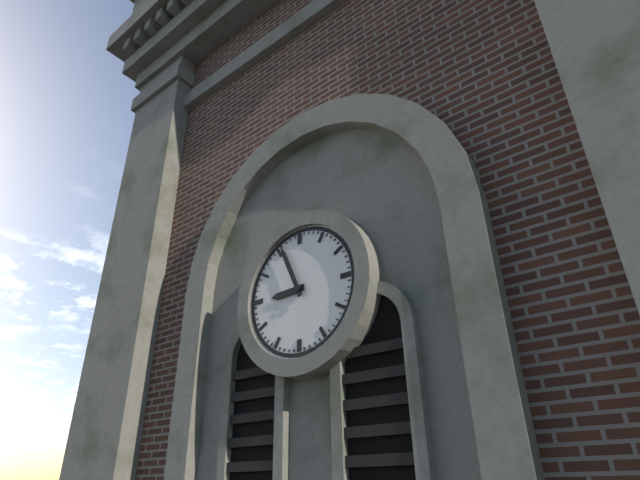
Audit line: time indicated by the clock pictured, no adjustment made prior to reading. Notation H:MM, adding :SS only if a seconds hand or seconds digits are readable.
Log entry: 8:56
